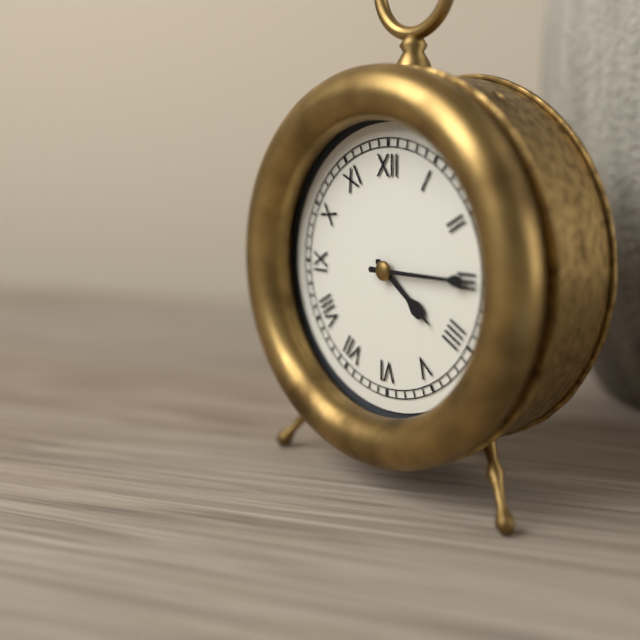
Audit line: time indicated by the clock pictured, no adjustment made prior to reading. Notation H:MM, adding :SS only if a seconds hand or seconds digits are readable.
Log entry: 4:15
